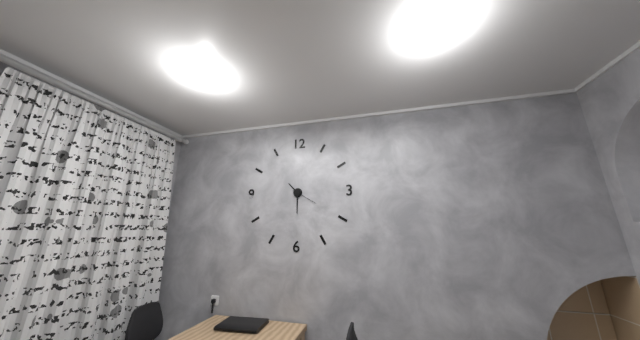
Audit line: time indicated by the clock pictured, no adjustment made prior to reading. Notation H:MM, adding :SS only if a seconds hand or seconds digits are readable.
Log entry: 10:30
